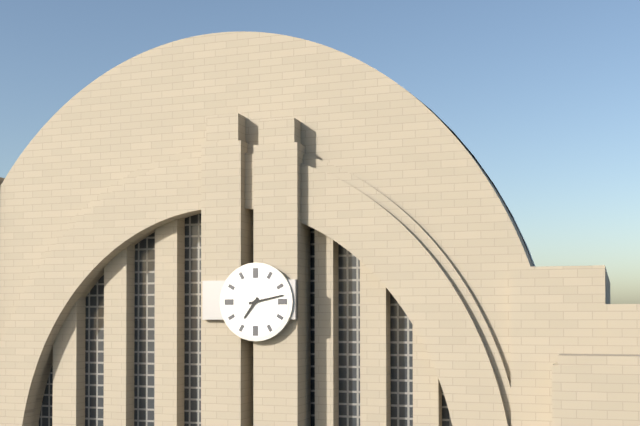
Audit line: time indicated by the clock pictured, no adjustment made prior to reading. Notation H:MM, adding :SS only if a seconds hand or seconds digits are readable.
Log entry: 7:13
